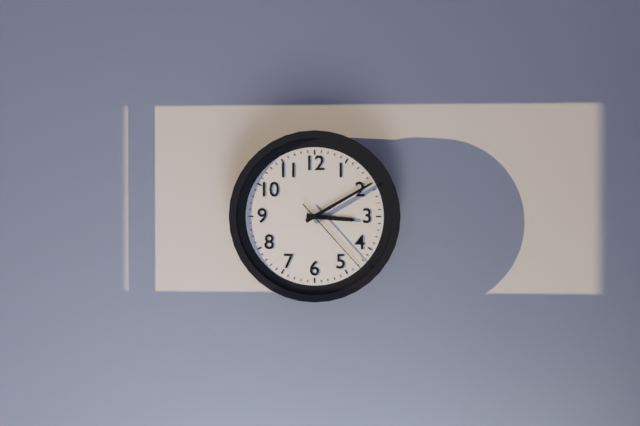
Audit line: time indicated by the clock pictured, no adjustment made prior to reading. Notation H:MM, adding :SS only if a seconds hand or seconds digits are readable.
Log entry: 3:10:23
